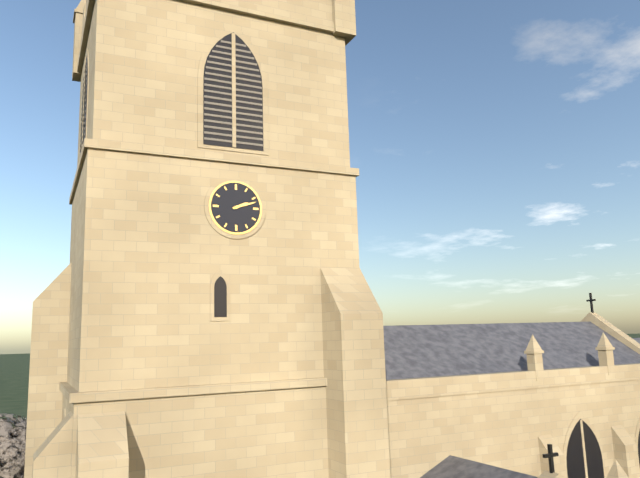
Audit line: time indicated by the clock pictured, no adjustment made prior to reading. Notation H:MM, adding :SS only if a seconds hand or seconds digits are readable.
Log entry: 2:12
